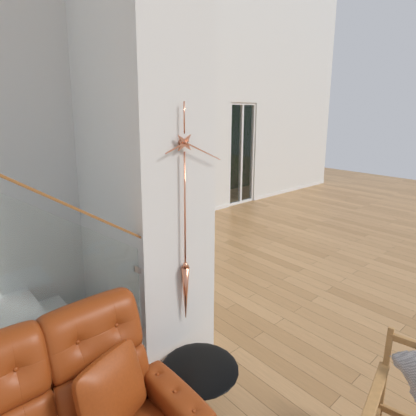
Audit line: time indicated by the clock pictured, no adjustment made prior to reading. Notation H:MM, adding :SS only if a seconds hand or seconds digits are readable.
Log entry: 8:19
